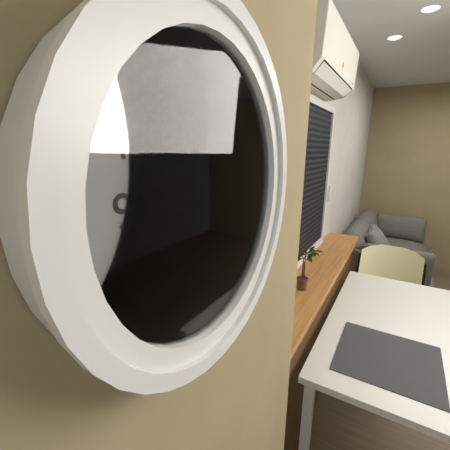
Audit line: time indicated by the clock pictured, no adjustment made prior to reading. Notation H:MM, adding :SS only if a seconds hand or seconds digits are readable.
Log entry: 1:09
